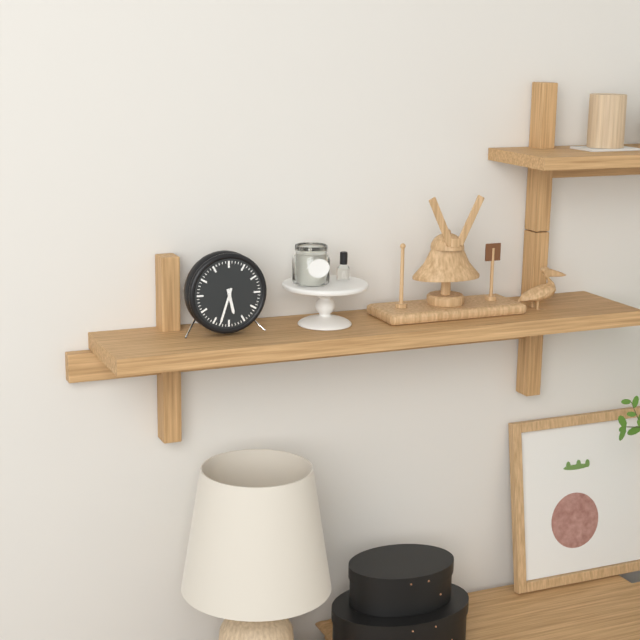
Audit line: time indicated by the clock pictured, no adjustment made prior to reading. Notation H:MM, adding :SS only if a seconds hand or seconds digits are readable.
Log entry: 5:33
